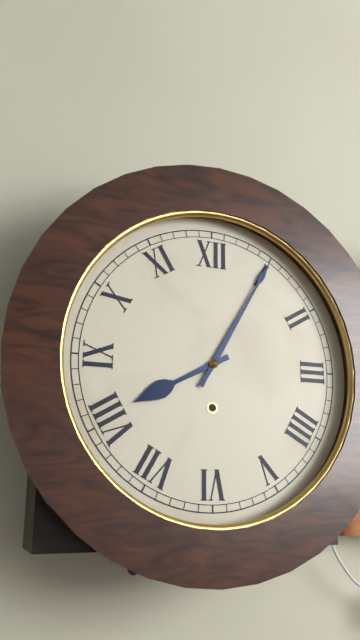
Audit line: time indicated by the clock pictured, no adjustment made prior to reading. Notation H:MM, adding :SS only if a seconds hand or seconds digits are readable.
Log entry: 8:05
